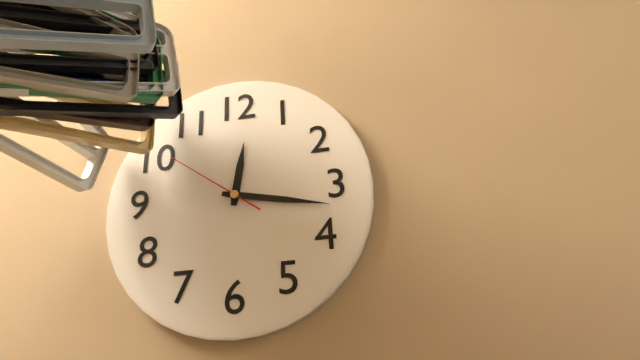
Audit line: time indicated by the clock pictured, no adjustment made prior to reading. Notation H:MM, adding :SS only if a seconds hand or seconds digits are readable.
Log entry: 12:17:51
